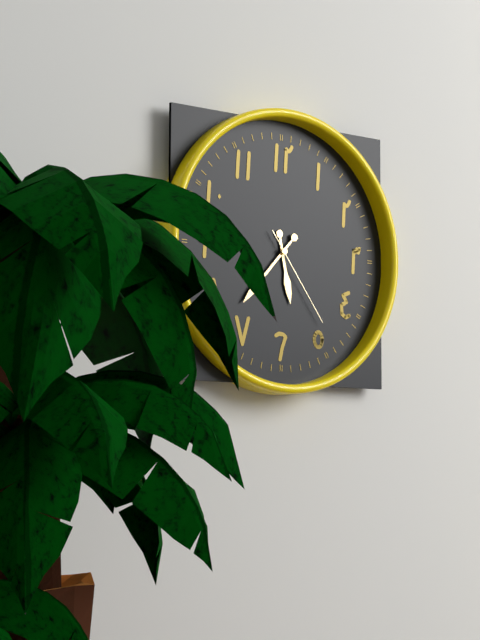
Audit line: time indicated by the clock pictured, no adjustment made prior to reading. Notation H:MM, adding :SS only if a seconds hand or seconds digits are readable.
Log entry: 5:37:24
